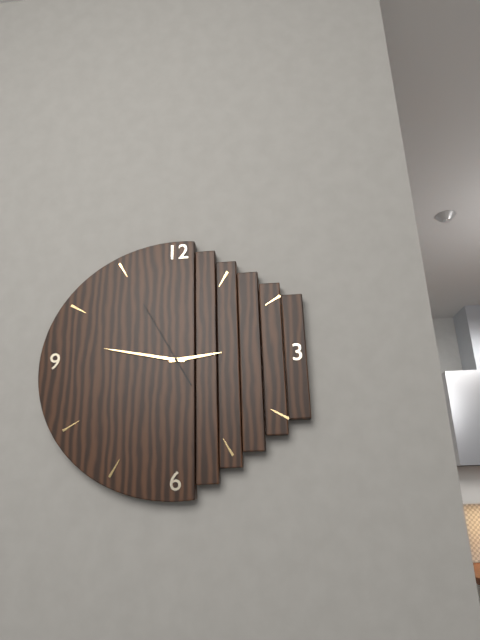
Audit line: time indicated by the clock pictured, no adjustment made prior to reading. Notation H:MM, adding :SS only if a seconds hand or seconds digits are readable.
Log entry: 2:47:55
